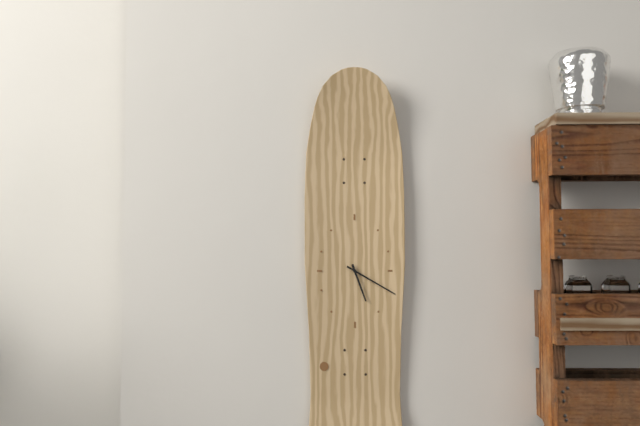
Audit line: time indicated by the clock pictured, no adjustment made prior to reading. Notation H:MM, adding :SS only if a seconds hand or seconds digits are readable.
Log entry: 5:20
